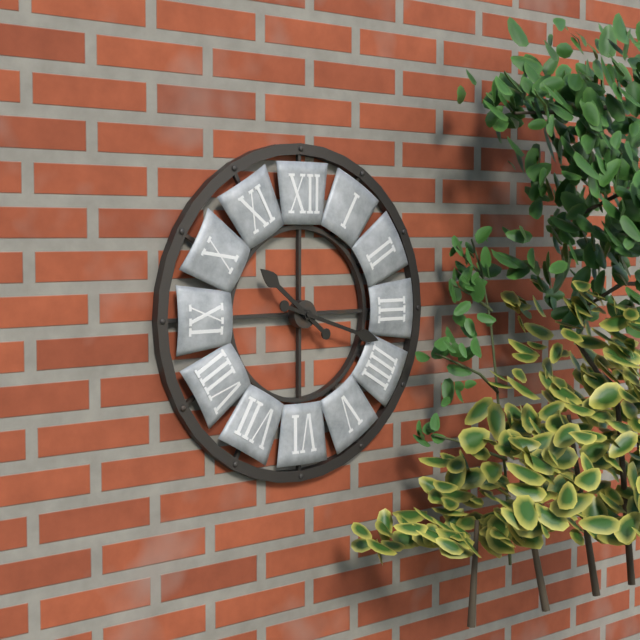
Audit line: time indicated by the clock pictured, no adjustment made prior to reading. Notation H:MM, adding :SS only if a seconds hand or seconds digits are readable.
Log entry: 10:18
